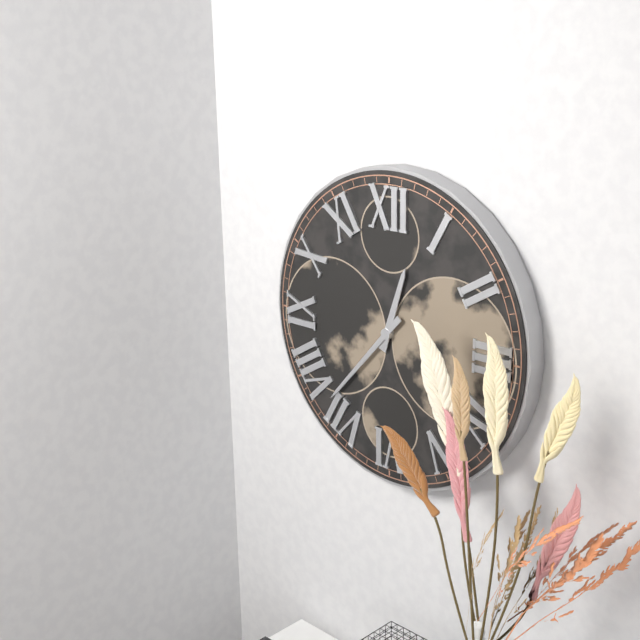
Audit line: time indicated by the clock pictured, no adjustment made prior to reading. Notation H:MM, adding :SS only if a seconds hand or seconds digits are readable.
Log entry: 12:37
